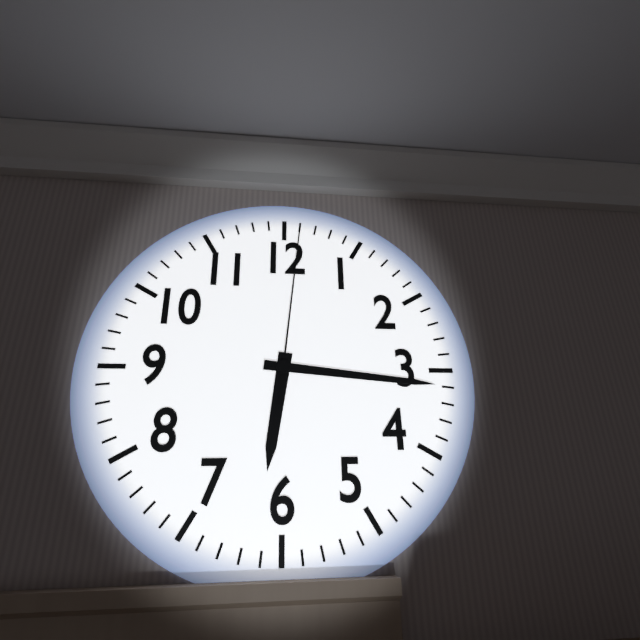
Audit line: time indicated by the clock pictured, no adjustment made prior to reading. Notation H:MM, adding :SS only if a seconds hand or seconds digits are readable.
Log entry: 6:16:01
